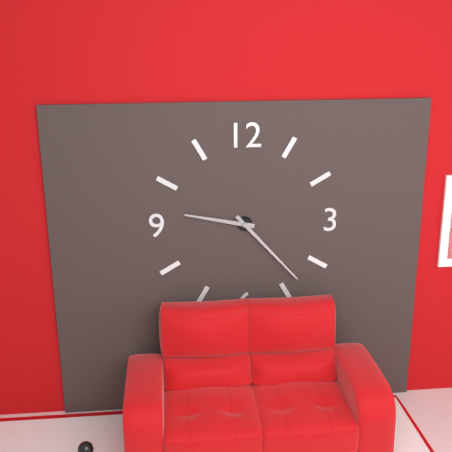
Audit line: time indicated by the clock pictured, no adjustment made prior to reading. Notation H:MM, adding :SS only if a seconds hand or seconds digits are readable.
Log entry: 9:23
